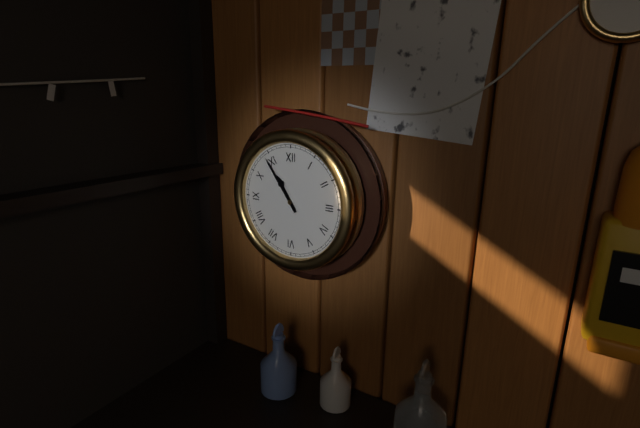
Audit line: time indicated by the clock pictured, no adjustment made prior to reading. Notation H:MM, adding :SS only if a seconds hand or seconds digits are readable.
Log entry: 10:54
